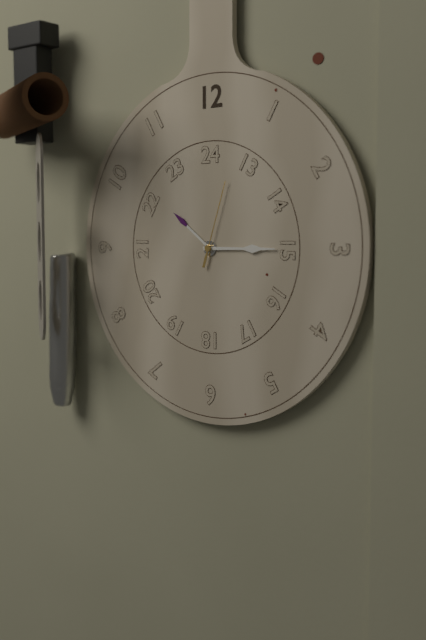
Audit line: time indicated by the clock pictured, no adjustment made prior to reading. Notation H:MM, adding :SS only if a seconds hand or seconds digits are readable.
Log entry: 10:15:03
